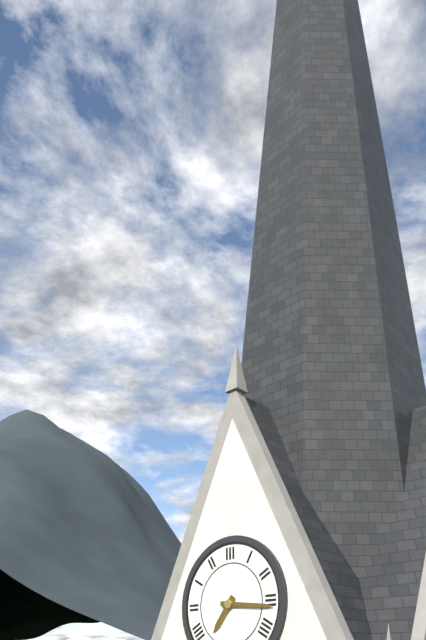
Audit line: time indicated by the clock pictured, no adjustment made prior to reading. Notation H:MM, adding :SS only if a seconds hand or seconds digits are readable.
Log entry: 7:16
